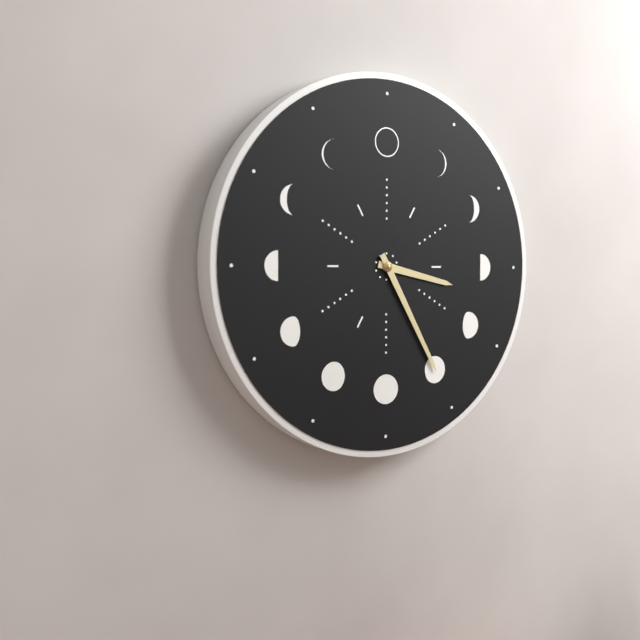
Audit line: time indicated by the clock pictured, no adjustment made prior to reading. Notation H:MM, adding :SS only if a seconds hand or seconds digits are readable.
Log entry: 3:25
